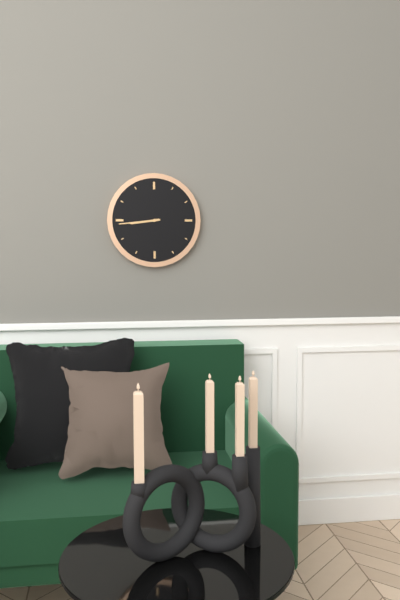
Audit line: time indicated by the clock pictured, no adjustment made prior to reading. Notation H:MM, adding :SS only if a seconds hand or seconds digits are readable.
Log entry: 8:44
